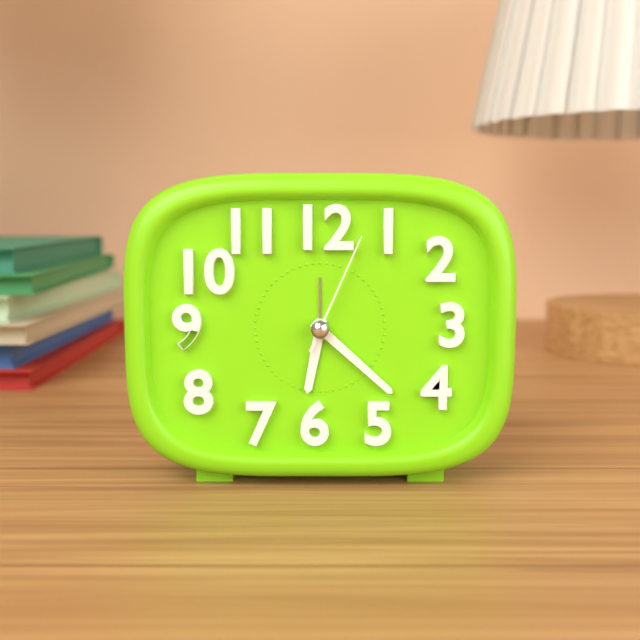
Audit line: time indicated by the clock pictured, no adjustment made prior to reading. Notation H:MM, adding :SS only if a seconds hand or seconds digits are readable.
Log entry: 6:22:04
